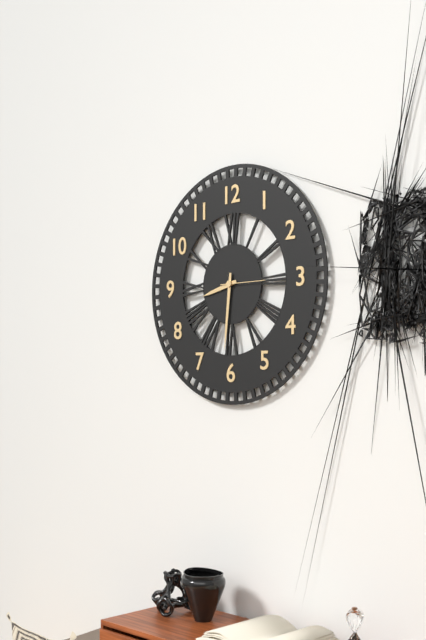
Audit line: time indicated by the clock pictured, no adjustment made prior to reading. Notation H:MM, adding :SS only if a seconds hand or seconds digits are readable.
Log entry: 8:31
